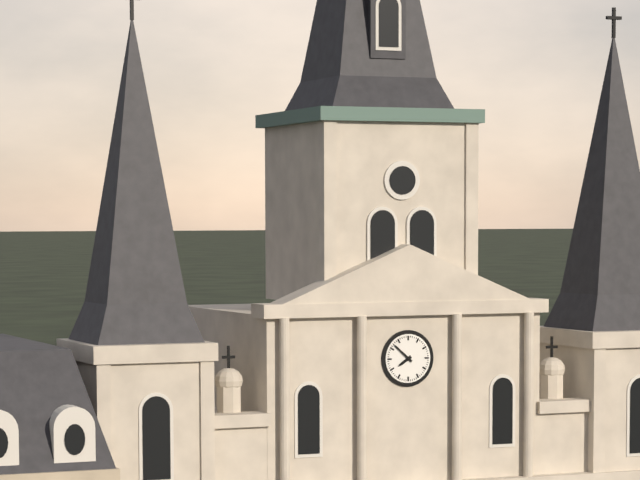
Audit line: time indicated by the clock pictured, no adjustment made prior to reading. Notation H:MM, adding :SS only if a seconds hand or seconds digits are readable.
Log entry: 7:52
